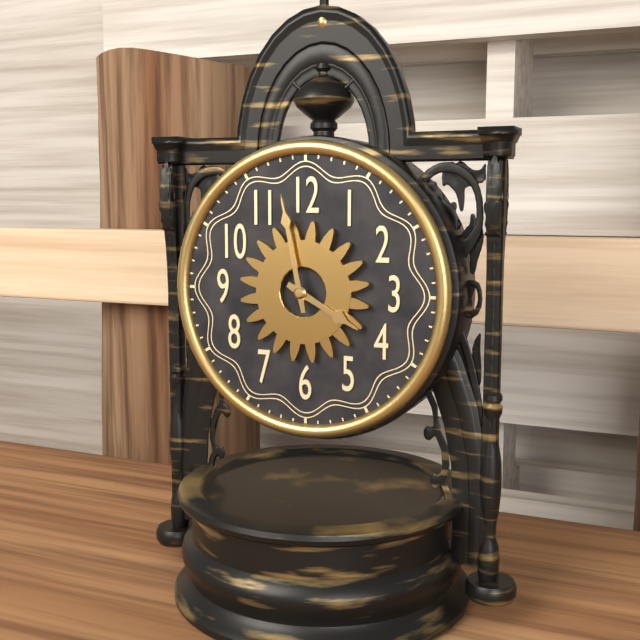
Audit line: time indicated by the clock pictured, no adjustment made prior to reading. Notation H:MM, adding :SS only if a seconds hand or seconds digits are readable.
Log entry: 3:58
